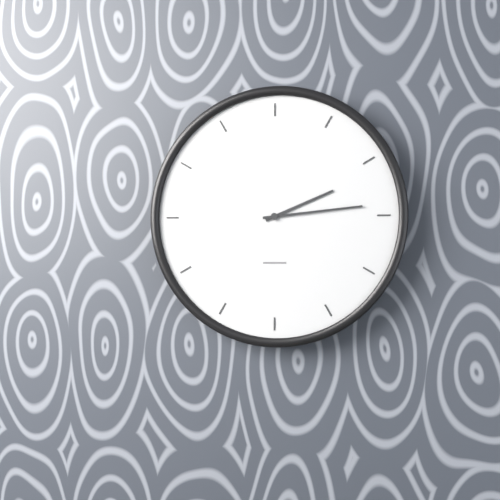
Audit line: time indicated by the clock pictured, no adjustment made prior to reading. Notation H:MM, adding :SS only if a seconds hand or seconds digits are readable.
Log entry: 2:14
